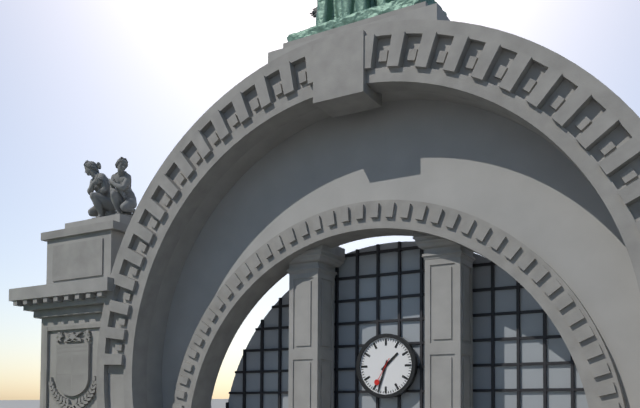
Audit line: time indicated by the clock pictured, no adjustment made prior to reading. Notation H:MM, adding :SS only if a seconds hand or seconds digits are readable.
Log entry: 1:33
